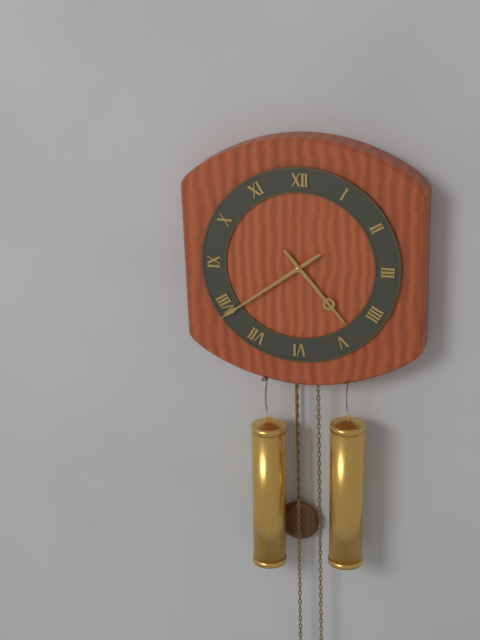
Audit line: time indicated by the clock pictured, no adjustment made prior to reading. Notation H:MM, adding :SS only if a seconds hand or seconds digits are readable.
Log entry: 4:39
